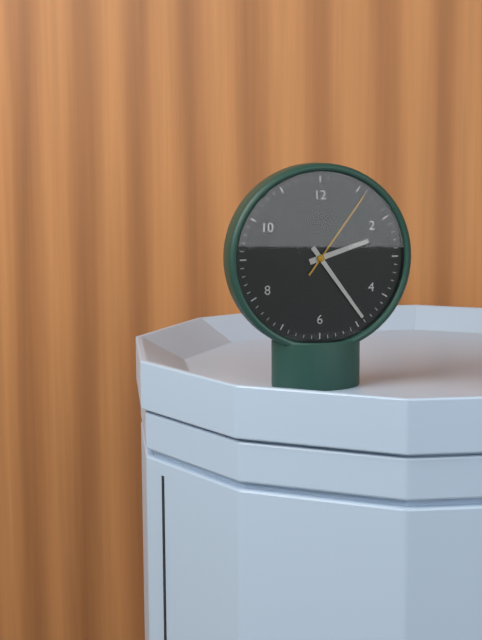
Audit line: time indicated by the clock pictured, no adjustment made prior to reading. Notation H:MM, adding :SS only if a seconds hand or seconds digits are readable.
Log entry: 2:24:06
